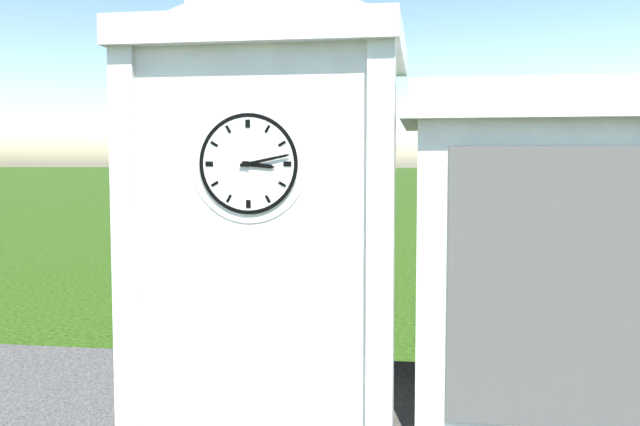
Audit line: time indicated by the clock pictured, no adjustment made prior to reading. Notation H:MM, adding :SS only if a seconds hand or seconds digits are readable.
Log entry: 3:13
